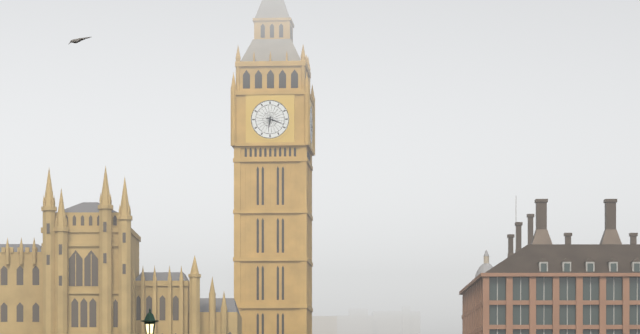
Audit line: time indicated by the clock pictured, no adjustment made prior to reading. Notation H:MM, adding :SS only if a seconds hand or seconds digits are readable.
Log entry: 6:18
